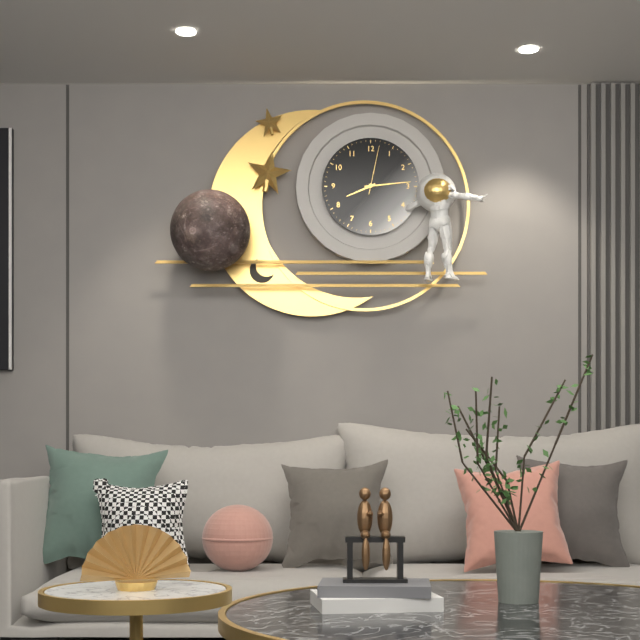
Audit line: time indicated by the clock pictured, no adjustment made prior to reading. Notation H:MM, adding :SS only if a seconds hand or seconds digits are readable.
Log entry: 8:14:02
